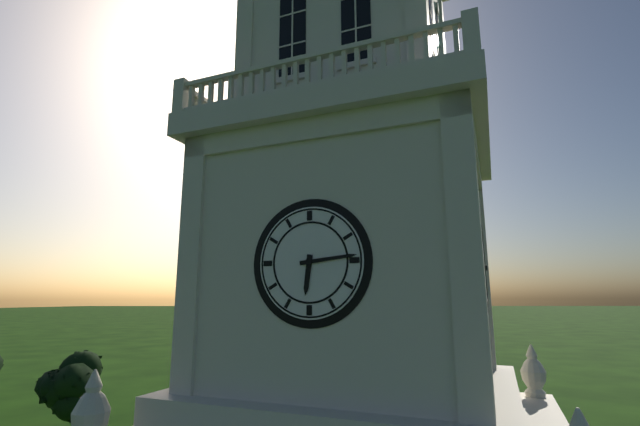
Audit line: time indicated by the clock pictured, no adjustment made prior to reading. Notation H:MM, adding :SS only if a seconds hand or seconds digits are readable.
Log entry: 6:14
